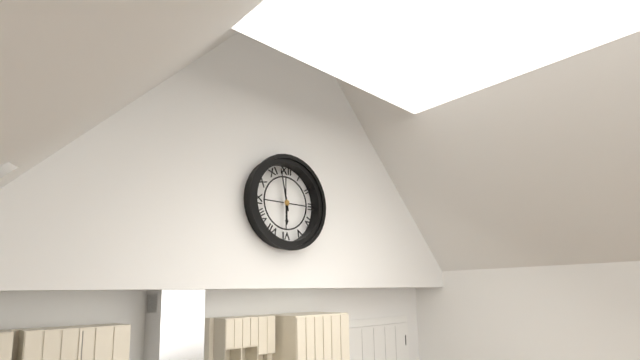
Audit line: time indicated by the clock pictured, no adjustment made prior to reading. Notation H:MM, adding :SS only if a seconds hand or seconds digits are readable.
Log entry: 5:58
